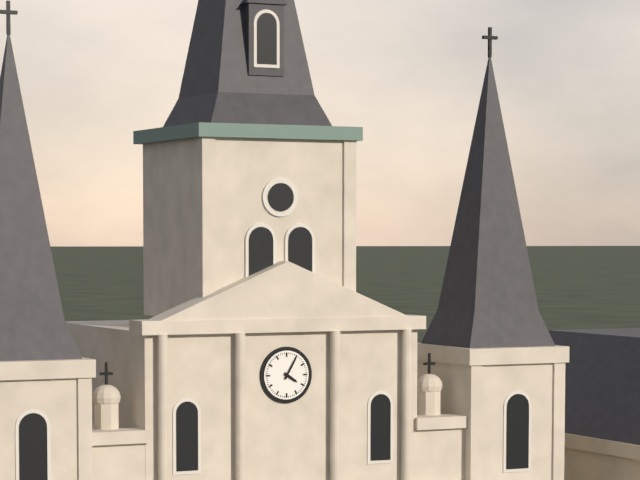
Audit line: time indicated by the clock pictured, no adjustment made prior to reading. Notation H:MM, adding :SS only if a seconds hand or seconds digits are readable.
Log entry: 4:05
